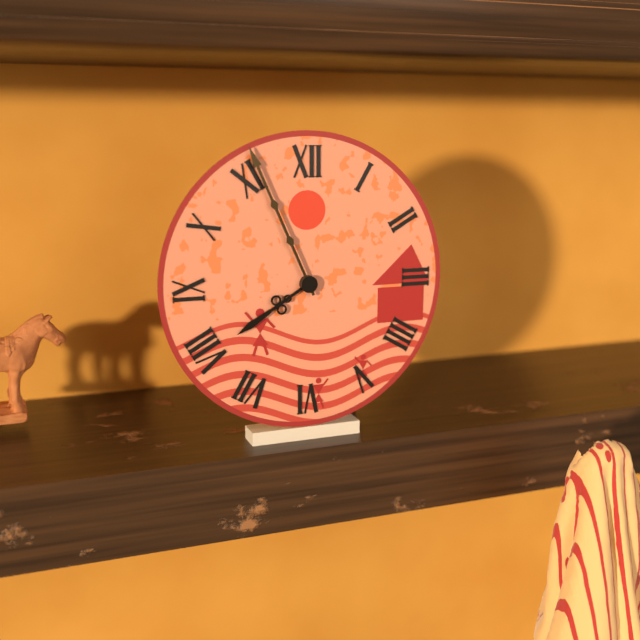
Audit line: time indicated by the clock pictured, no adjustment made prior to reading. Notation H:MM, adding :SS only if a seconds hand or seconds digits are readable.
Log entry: 7:56
